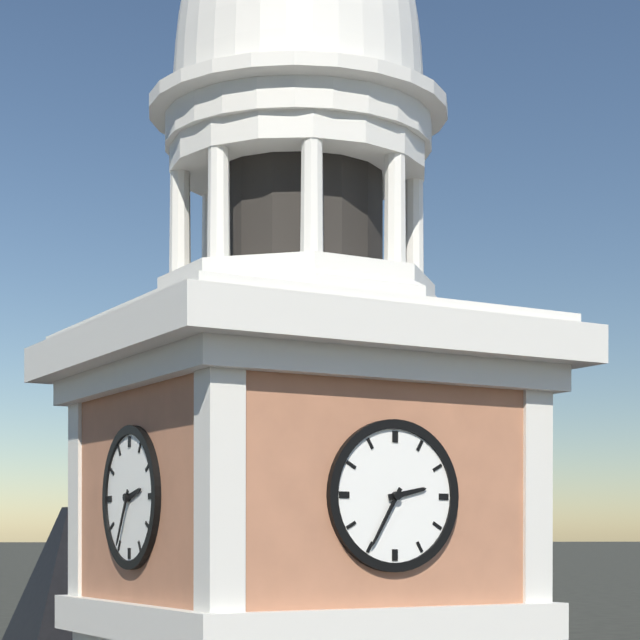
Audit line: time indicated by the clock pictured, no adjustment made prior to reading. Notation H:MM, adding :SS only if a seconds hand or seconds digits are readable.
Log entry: 2:35
